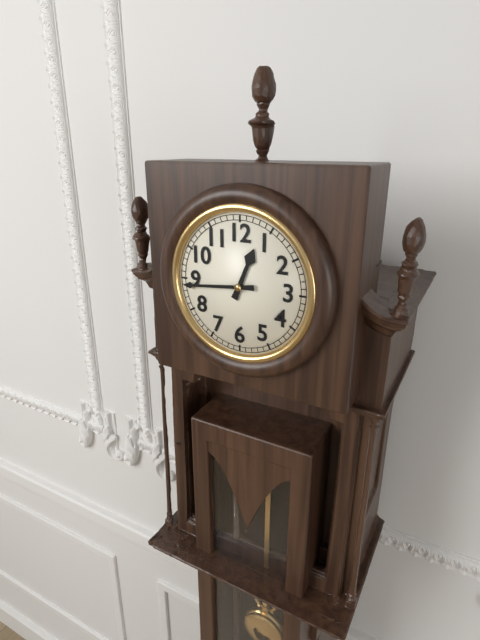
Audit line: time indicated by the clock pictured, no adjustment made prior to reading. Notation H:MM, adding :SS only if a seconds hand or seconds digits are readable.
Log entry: 12:44
